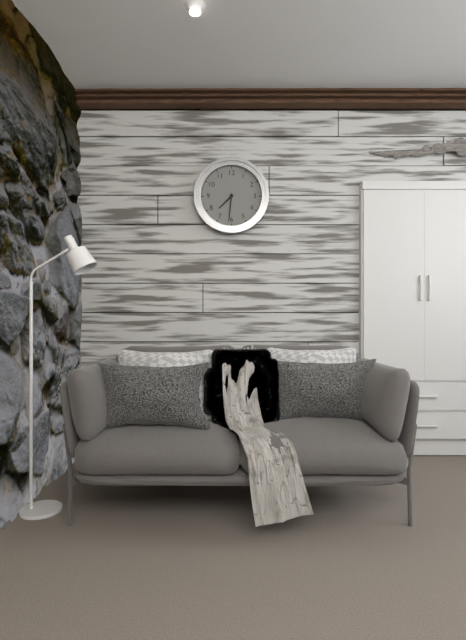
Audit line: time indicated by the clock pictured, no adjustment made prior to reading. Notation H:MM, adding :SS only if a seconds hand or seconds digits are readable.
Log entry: 7:31
